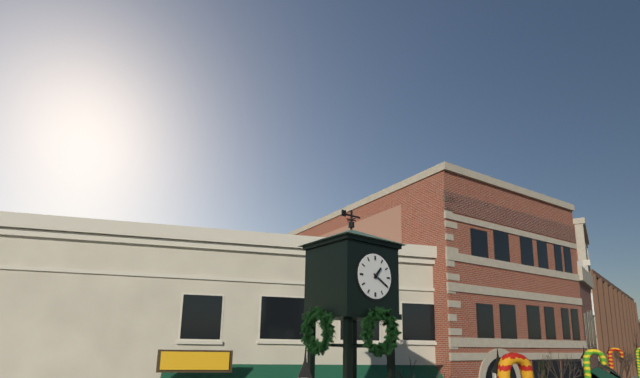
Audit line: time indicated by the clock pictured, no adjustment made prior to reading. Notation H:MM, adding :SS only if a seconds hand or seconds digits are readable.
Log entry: 1:20
